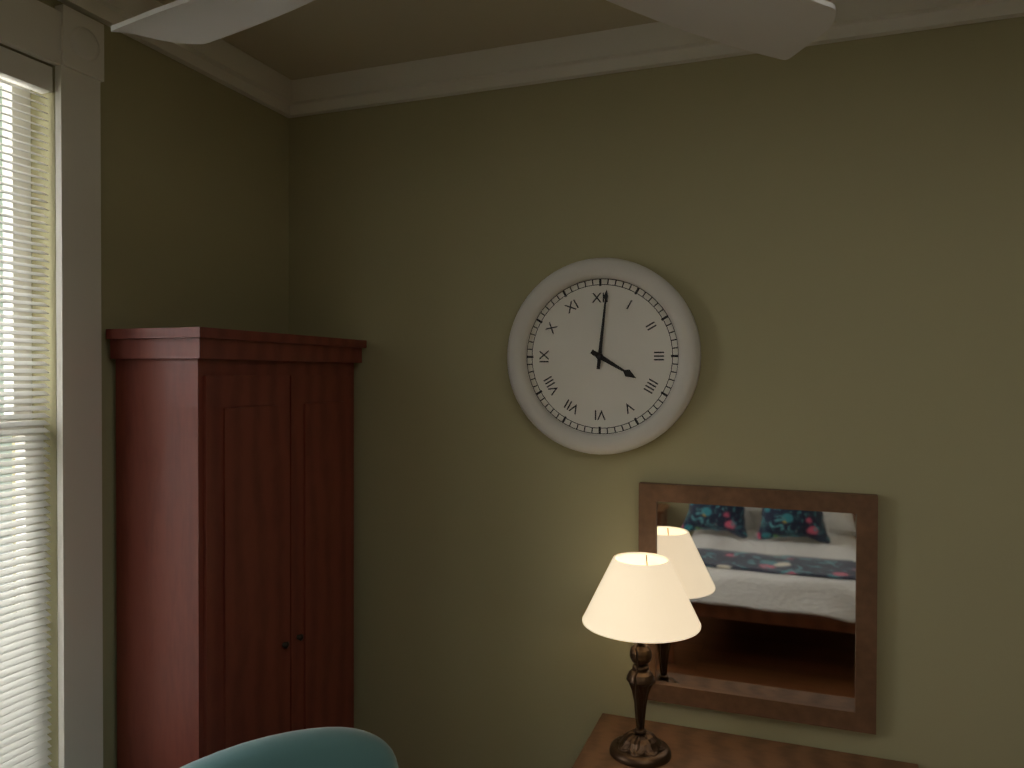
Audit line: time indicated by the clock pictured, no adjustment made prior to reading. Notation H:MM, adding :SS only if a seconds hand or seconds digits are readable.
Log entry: 4:01
